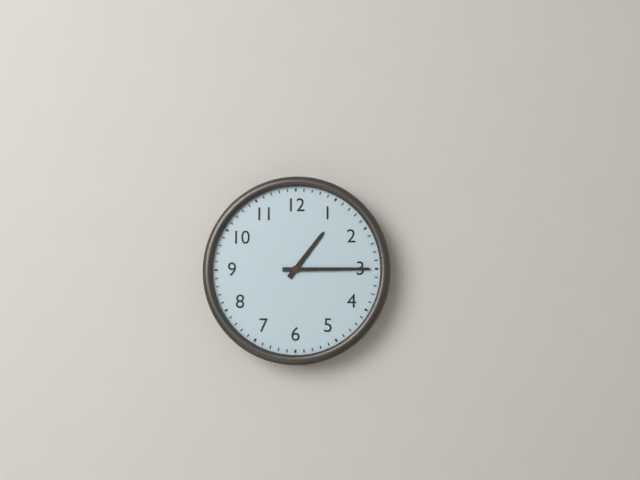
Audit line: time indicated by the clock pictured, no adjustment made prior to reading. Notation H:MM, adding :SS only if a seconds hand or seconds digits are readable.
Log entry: 1:15
